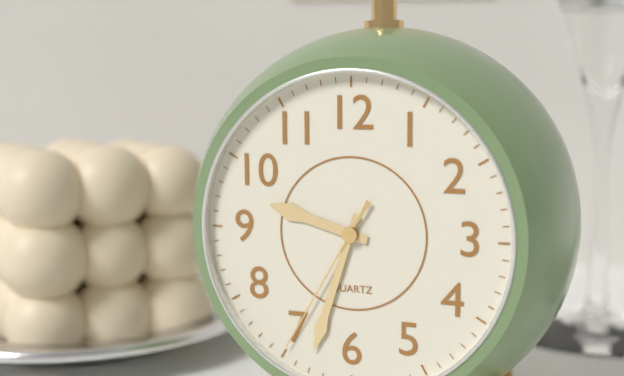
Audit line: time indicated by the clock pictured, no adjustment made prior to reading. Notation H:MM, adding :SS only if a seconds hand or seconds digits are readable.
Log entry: 9:33:35
